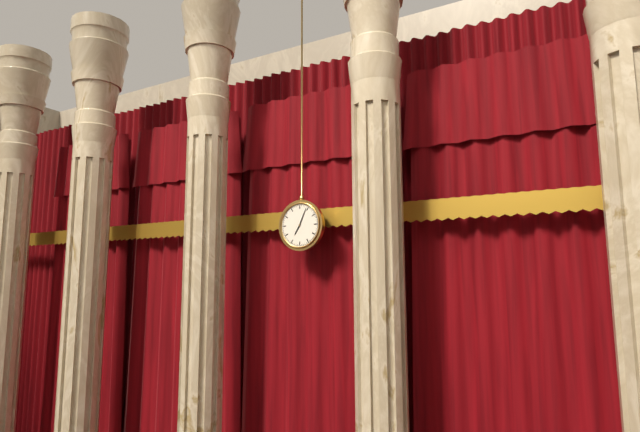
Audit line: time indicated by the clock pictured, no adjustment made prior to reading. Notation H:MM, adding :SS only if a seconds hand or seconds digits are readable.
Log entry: 7:04
